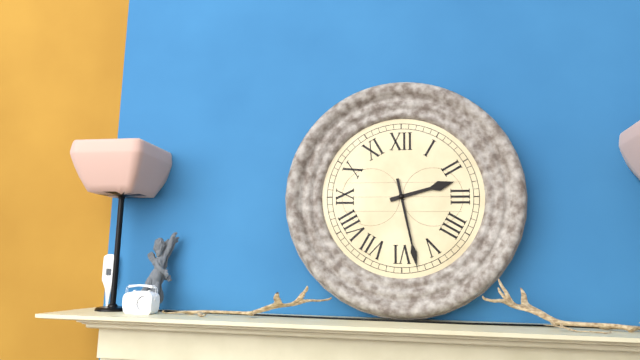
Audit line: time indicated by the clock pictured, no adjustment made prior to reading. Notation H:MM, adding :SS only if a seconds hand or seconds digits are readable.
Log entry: 2:28
